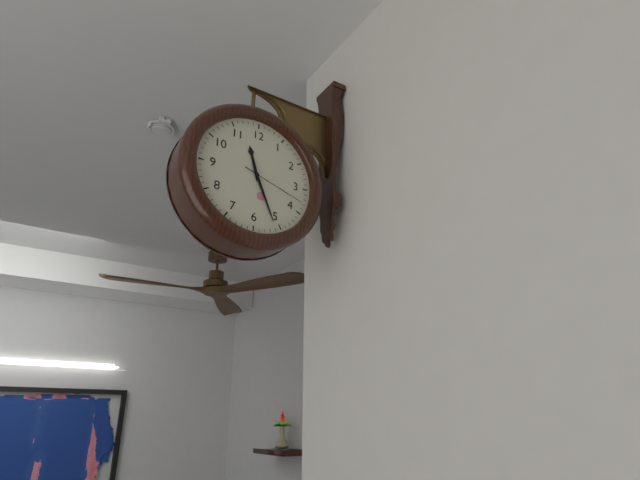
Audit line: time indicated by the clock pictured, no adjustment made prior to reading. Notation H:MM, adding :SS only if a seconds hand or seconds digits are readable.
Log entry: 11:26:18
